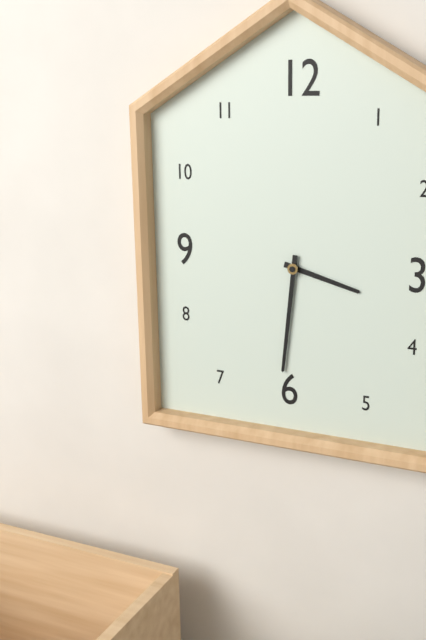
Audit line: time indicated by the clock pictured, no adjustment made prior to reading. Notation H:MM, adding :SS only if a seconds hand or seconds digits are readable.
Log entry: 3:31
